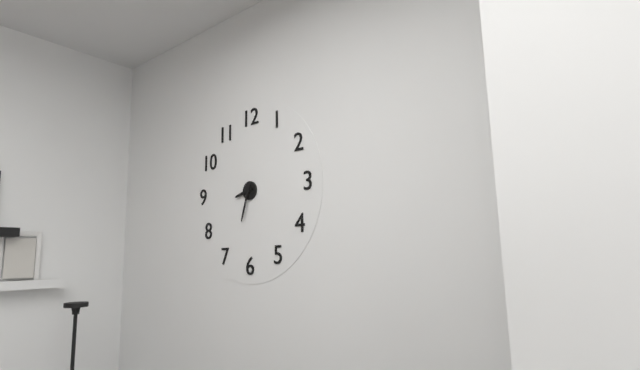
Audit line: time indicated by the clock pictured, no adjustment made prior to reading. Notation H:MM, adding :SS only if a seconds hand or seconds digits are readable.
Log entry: 8:33
